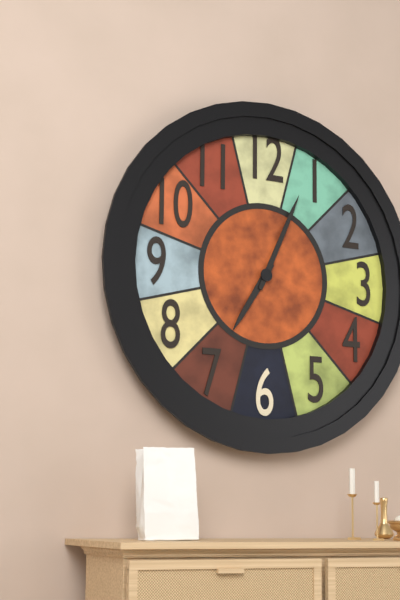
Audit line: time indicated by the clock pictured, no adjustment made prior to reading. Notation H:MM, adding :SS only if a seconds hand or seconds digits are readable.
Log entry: 7:04
